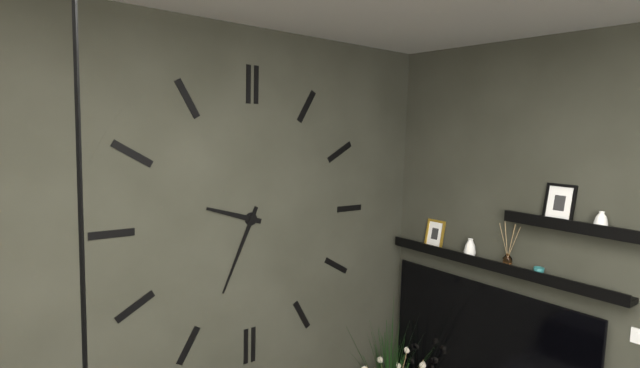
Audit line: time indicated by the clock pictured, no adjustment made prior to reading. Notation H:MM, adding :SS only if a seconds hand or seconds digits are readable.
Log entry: 9:34
